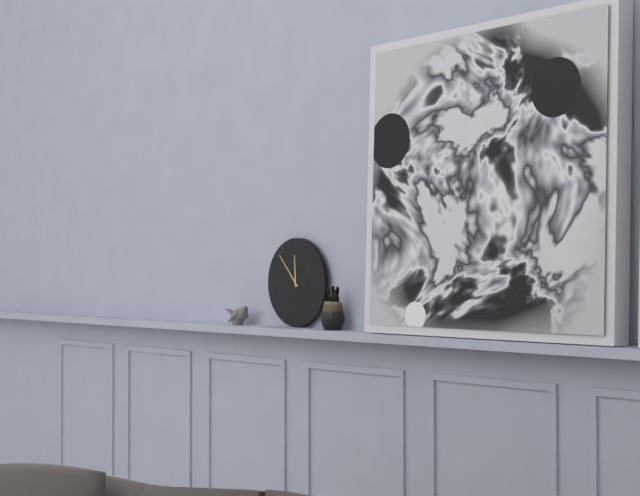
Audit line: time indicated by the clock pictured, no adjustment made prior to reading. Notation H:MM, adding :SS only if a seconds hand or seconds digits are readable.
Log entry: 11:53
